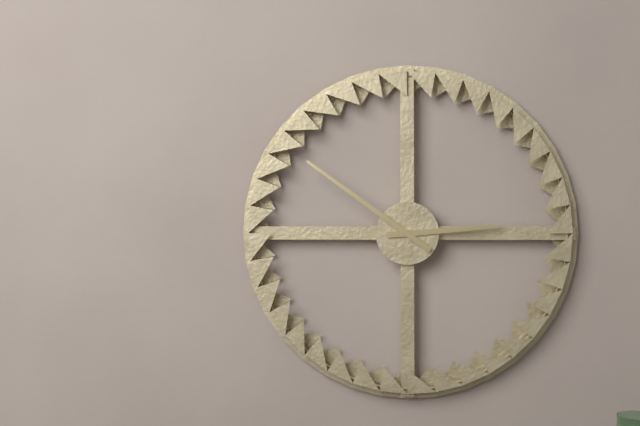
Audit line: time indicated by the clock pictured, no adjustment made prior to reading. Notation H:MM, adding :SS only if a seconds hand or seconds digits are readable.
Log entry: 2:51
